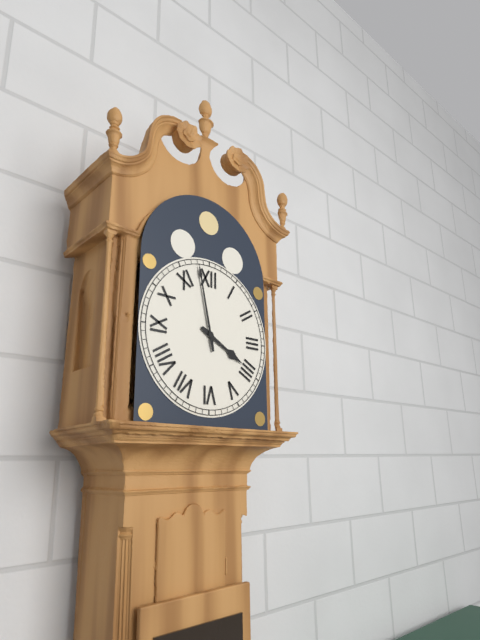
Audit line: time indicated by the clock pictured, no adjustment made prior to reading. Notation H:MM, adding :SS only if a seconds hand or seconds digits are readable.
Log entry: 3:58
